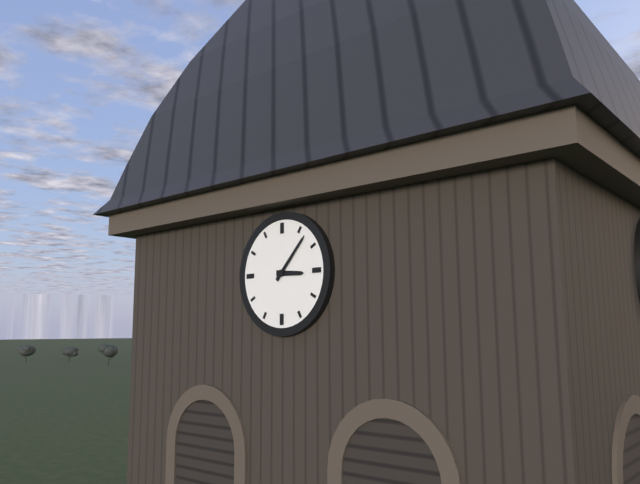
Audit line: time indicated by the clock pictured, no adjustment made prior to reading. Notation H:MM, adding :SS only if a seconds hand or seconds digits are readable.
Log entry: 3:07
